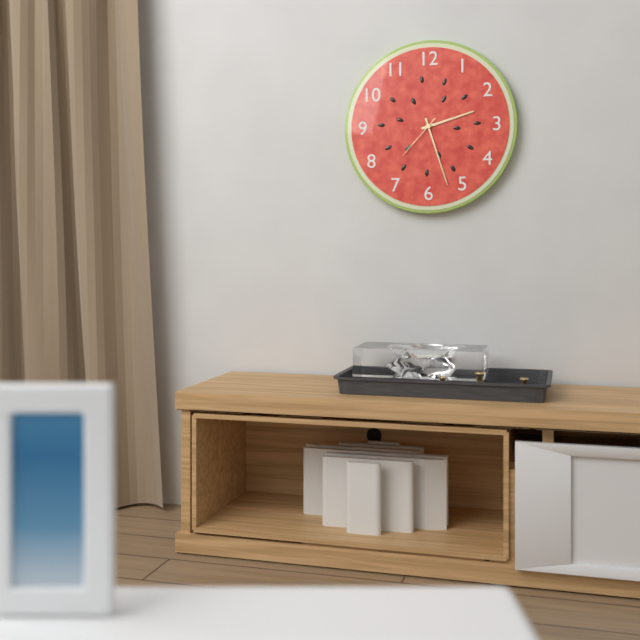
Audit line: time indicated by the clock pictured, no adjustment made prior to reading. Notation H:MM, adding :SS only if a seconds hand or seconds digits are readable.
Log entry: 2:27
